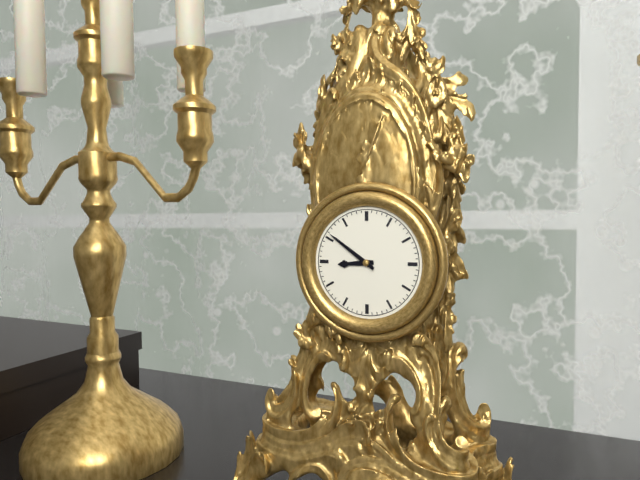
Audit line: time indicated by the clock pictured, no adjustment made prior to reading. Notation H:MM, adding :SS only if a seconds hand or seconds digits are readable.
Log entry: 8:51
